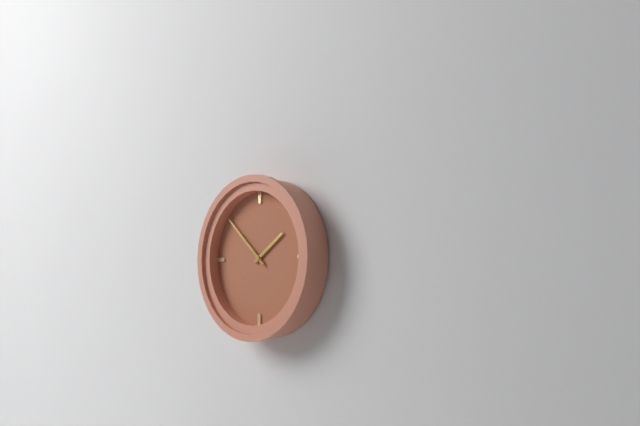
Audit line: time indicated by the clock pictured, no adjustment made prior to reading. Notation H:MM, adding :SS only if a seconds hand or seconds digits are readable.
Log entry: 1:52
